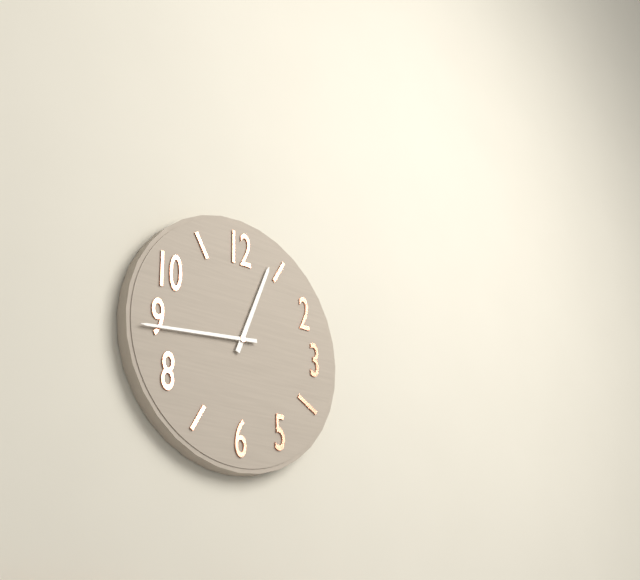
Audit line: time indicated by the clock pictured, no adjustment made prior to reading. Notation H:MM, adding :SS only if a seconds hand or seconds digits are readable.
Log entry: 12:44
